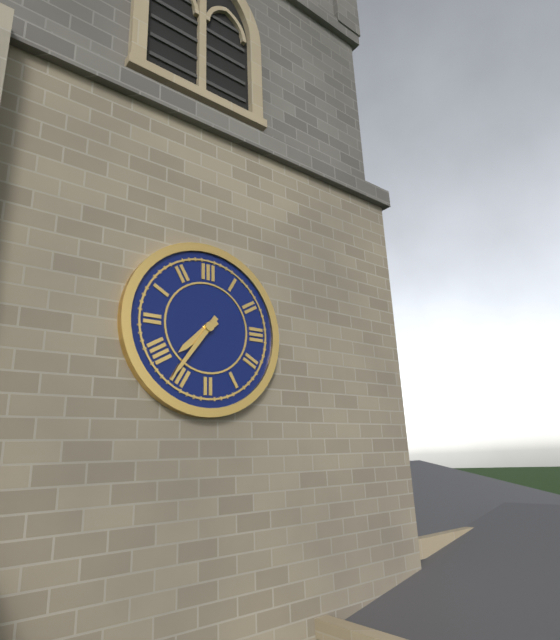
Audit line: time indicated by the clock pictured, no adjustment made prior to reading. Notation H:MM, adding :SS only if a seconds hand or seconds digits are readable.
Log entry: 7:36
